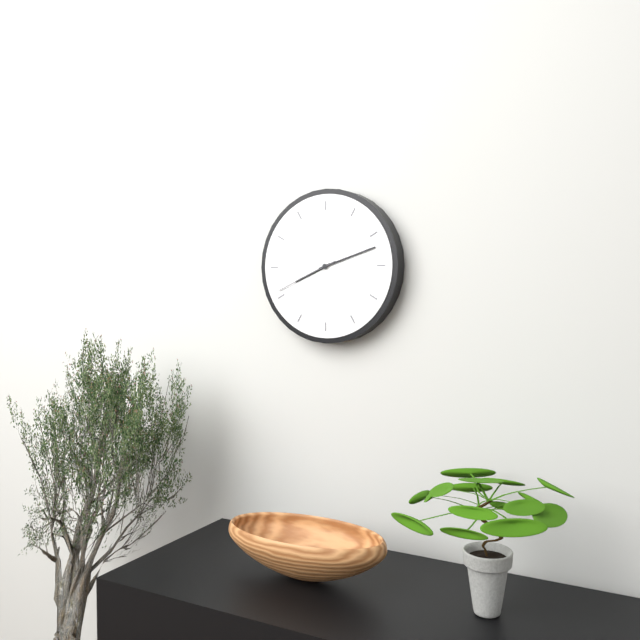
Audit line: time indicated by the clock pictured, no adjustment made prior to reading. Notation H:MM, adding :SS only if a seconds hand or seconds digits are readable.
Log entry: 8:12:41
